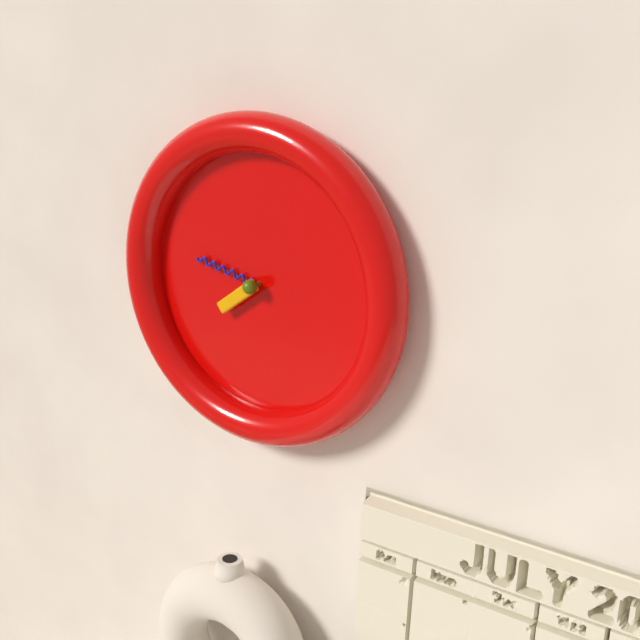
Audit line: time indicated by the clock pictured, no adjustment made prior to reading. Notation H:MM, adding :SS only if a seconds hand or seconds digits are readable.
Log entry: 7:47
